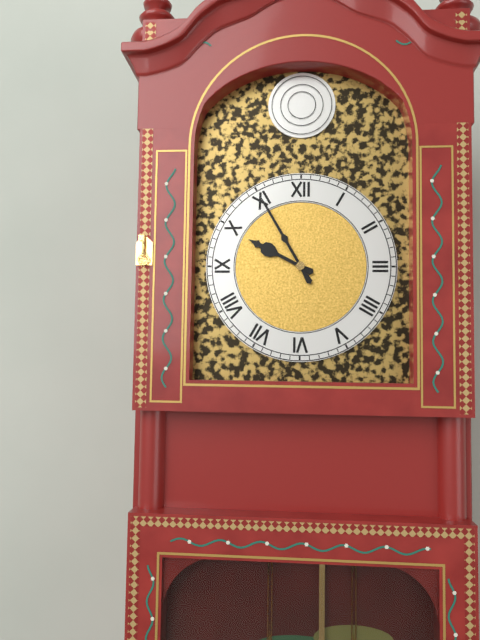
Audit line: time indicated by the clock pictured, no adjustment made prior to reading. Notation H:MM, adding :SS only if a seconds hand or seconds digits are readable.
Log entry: 9:55
